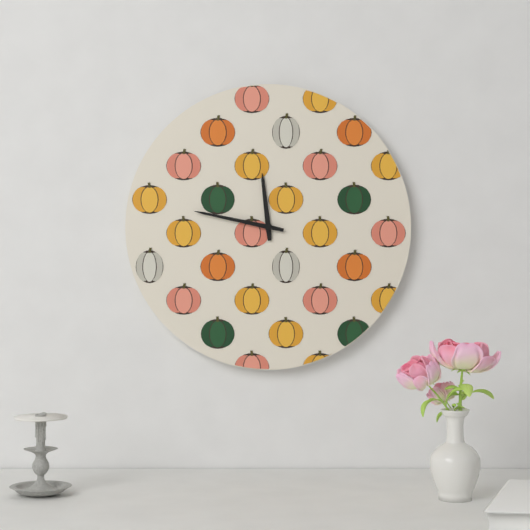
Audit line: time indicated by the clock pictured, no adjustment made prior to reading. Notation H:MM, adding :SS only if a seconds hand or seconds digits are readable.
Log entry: 11:47
